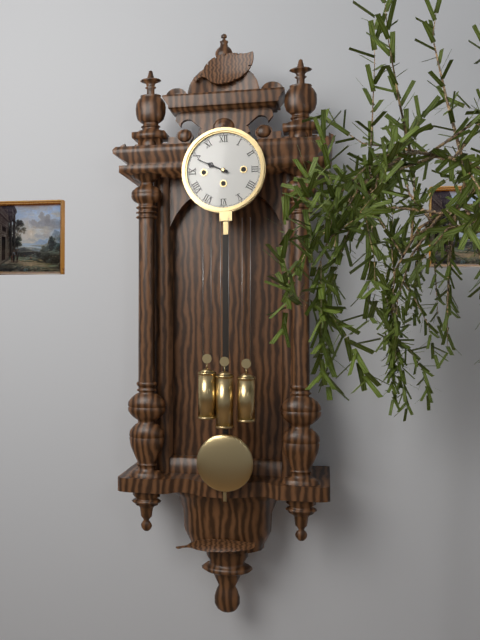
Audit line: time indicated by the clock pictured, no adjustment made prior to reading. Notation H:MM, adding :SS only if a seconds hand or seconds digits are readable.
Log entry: 9:49
